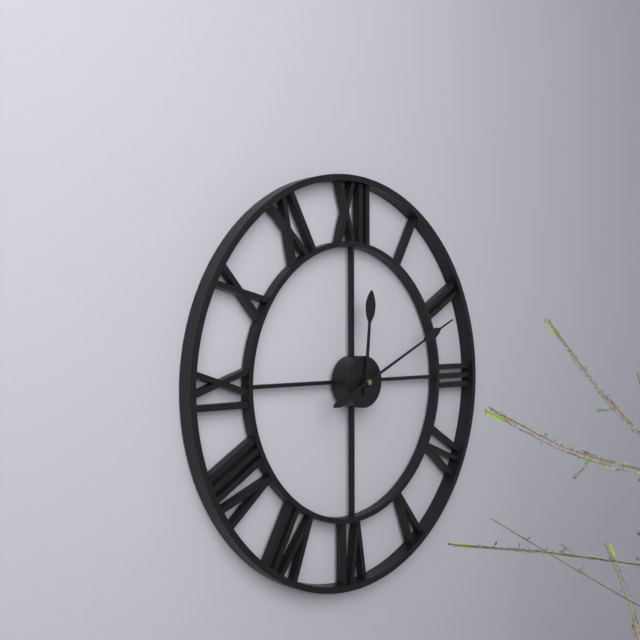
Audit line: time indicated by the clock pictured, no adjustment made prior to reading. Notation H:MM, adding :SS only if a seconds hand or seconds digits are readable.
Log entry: 12:11
